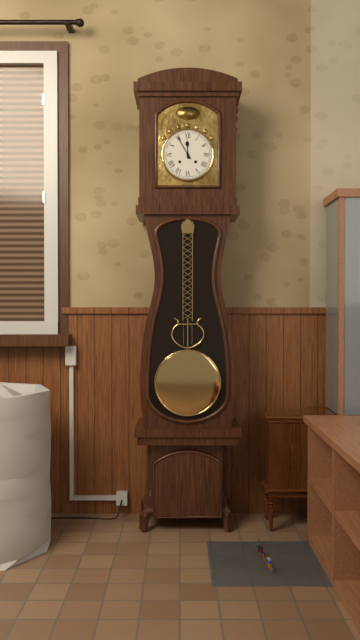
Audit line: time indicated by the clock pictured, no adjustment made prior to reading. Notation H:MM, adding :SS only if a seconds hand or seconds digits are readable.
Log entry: 11:55
